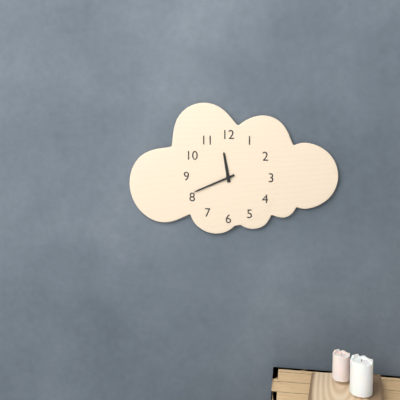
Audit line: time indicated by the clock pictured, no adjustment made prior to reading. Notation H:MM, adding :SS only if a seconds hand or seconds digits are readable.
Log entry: 11:41
